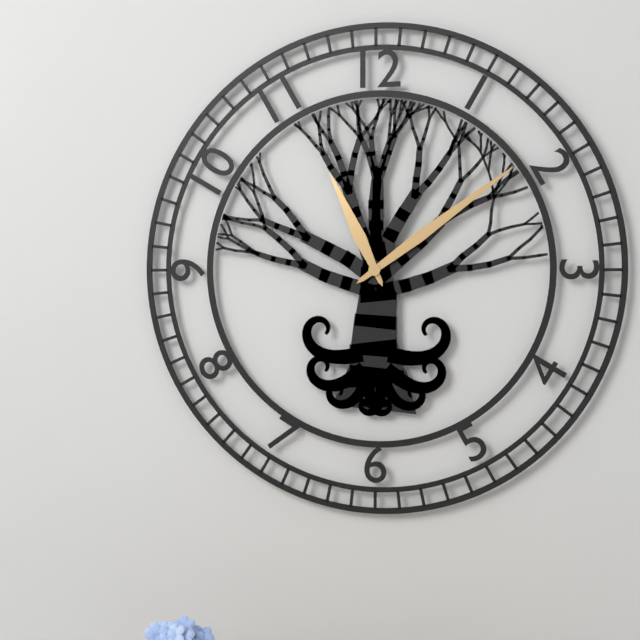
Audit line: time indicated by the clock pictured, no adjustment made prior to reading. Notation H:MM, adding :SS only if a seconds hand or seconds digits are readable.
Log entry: 11:09
